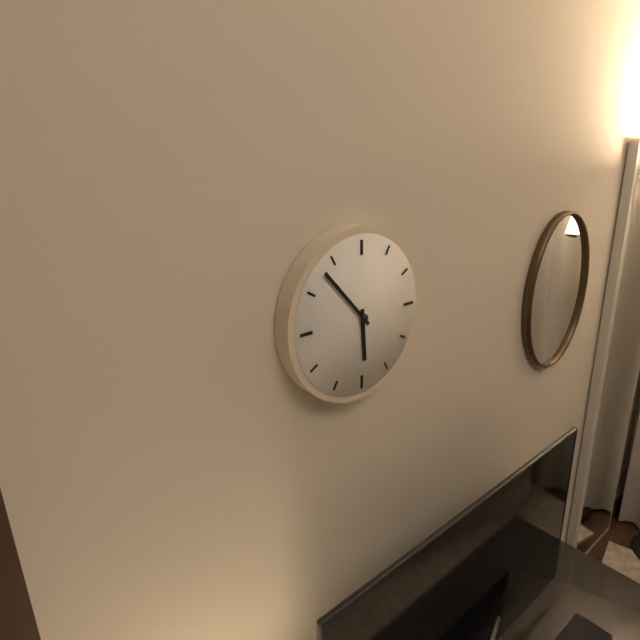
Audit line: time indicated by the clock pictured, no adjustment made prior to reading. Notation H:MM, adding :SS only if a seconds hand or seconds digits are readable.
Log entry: 5:53
